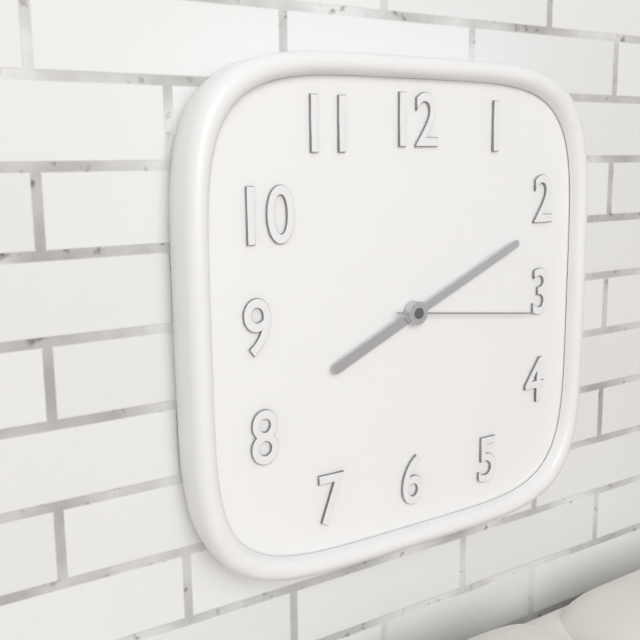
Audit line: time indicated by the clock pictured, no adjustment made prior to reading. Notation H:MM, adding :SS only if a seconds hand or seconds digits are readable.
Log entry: 8:11:16
